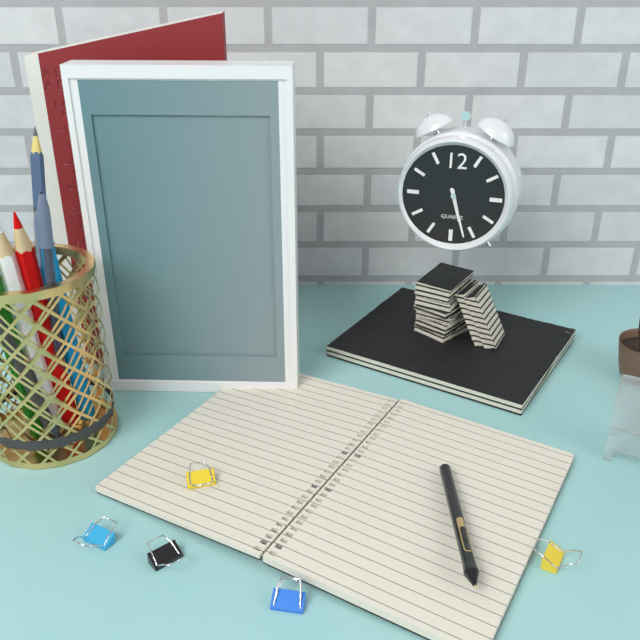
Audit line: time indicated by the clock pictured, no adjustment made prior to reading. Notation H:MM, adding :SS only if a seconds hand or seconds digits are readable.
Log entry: 5:27
